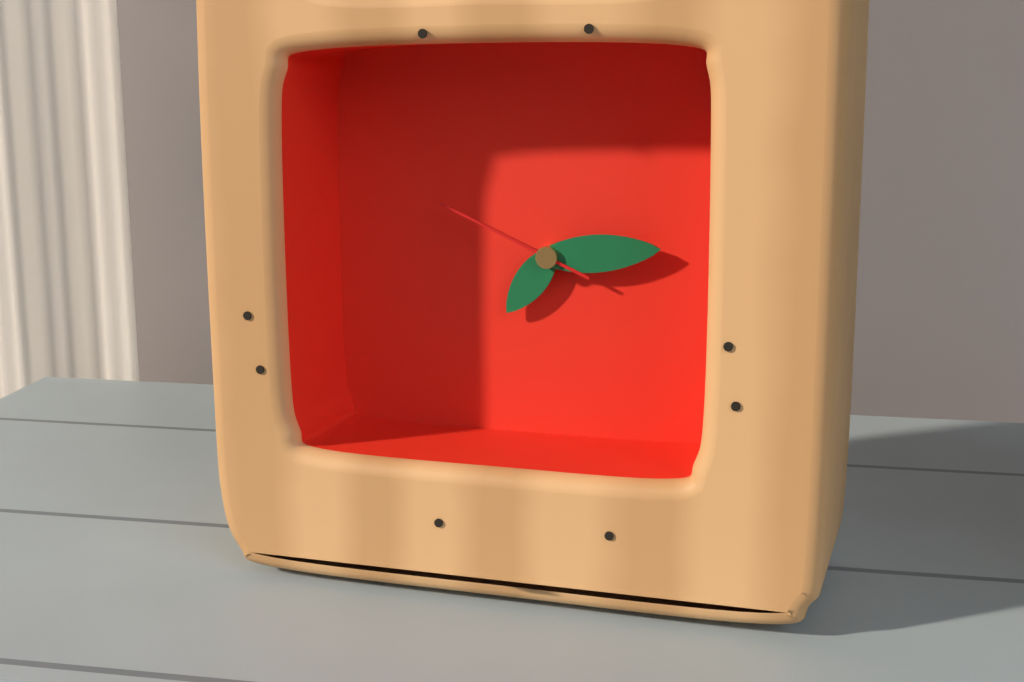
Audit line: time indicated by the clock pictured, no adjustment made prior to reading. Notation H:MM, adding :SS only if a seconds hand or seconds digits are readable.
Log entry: 7:14:49
